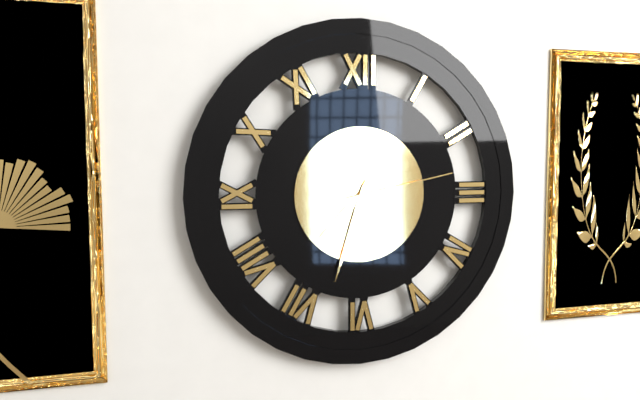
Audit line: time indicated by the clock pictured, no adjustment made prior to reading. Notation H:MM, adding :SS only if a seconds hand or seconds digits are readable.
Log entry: 7:33:13
